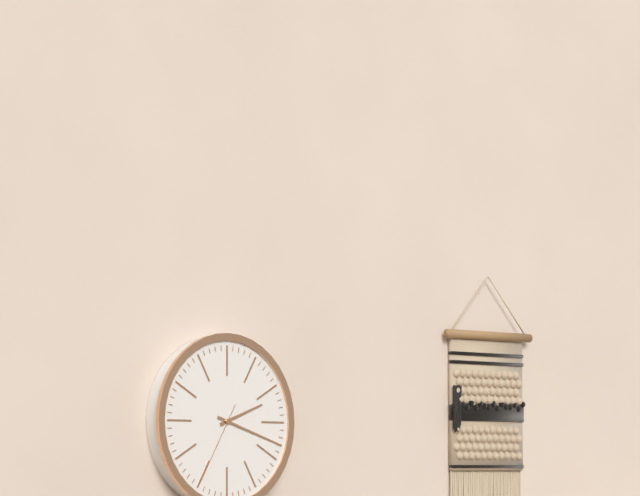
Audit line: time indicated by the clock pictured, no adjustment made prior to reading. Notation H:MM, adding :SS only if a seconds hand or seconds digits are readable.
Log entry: 2:18:35
